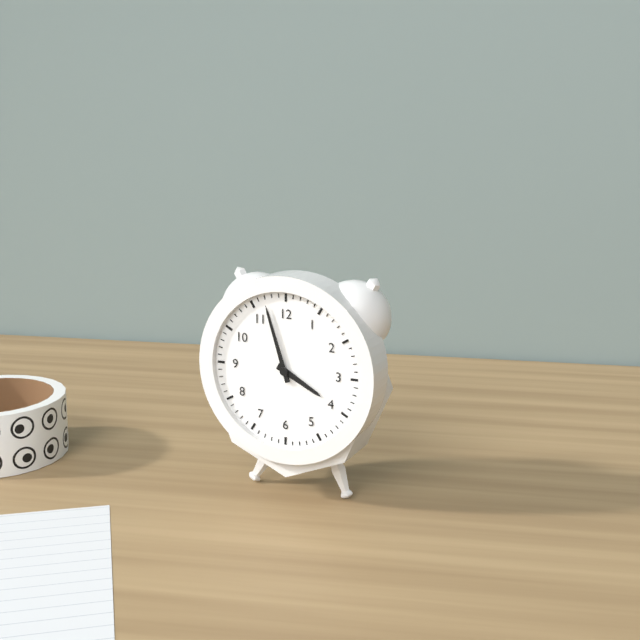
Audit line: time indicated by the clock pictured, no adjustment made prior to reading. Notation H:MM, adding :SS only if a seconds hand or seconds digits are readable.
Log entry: 3:57
